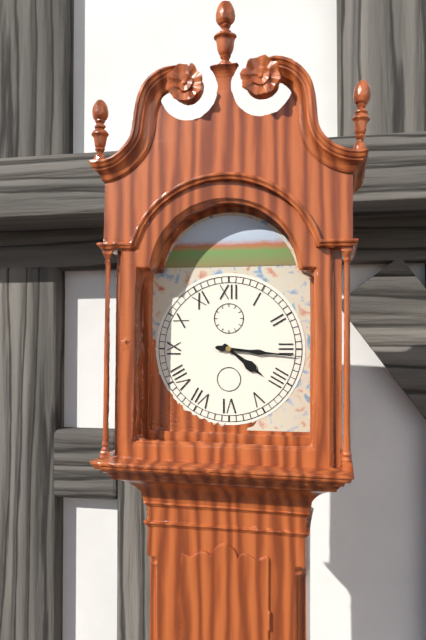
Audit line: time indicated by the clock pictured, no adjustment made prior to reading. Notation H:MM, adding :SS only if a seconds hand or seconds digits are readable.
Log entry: 4:16
